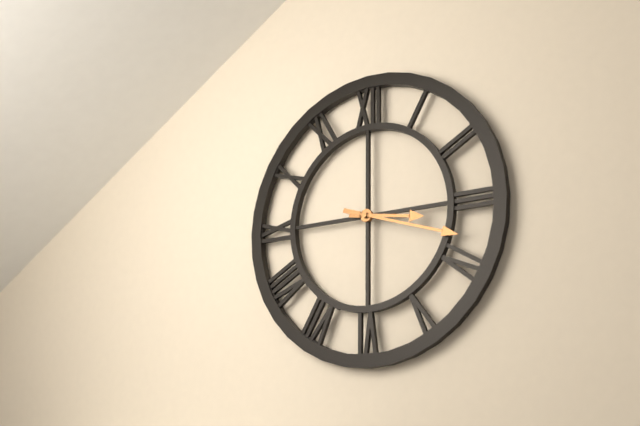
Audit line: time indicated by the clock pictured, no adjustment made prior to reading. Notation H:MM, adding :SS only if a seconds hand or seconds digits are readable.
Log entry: 3:18
